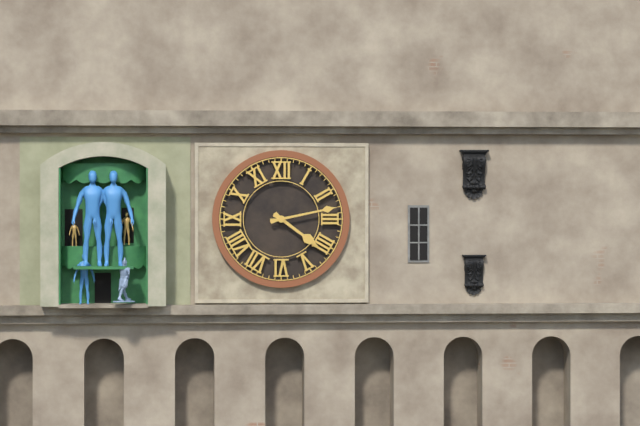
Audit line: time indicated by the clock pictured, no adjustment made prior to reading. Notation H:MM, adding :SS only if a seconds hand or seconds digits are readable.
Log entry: 4:13
